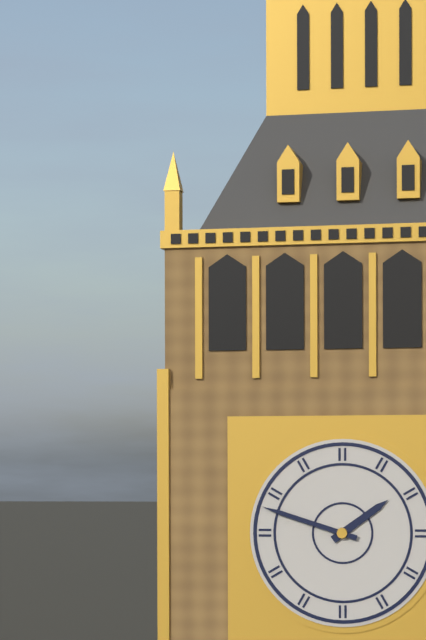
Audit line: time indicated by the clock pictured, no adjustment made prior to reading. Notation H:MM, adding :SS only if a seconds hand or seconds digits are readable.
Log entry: 1:48
